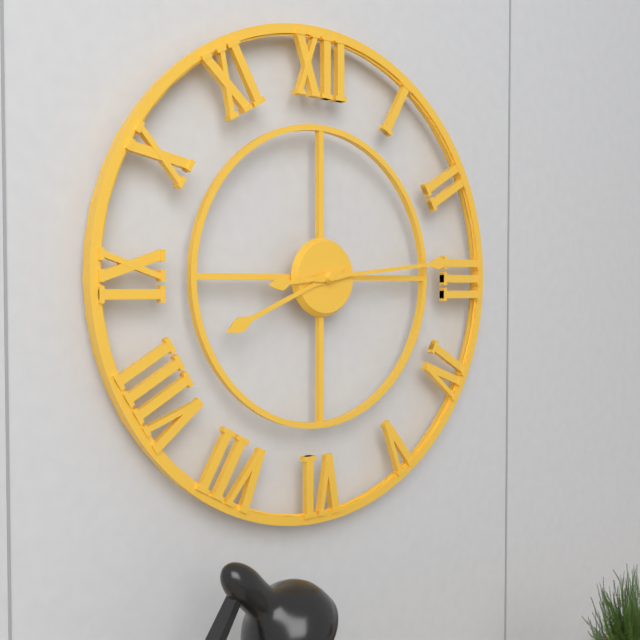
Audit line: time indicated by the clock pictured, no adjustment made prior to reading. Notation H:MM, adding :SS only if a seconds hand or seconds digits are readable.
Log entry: 8:14
